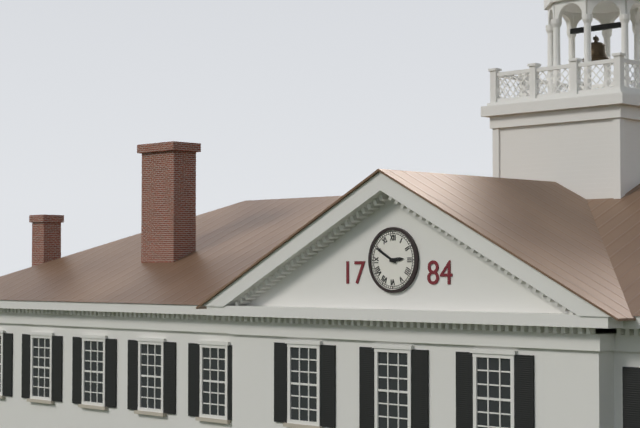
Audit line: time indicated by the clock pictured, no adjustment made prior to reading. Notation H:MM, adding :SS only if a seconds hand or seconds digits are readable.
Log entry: 2:50
